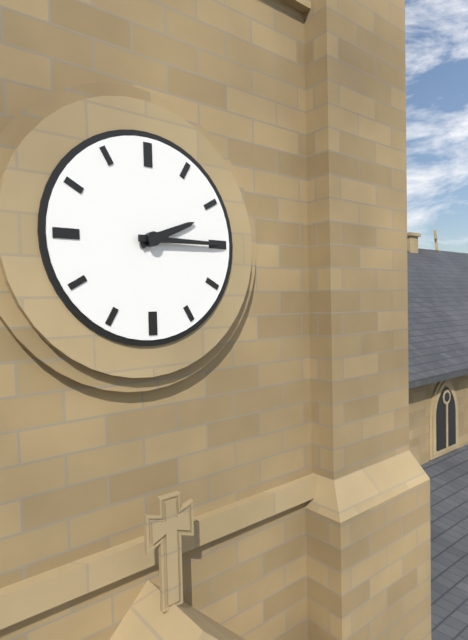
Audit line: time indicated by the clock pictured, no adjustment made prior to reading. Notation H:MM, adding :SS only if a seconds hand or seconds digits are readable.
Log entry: 2:15
